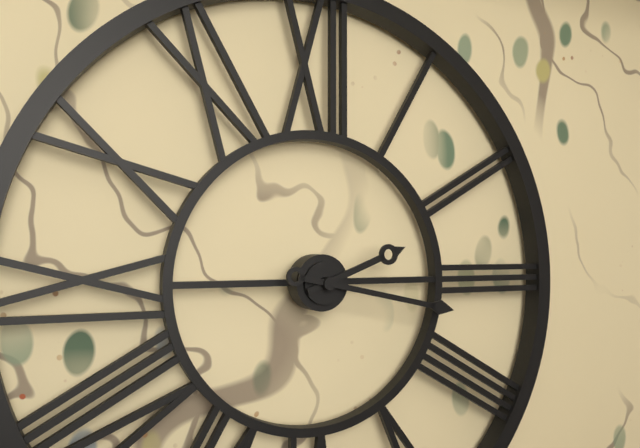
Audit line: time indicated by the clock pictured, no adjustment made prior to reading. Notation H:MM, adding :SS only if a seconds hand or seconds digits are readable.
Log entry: 2:17
